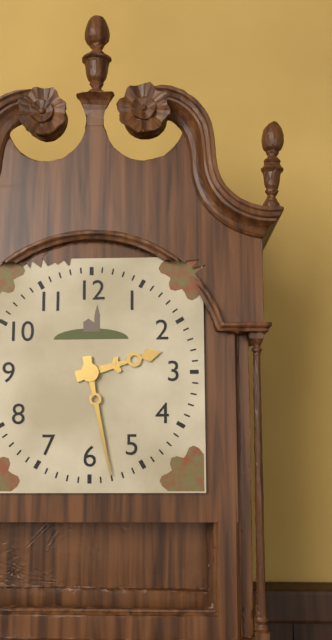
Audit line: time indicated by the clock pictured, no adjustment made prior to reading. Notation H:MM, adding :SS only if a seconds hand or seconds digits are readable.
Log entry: 2:28
